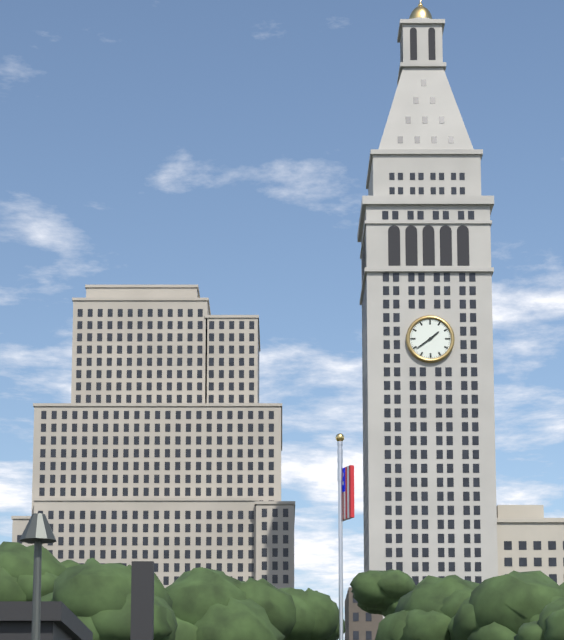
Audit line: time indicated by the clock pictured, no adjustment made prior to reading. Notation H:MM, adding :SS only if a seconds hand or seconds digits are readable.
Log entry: 1:39
